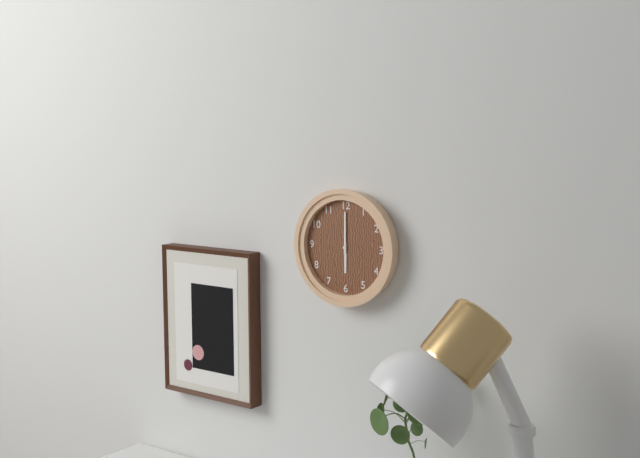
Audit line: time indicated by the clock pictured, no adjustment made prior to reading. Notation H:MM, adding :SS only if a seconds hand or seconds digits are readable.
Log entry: 6:00
